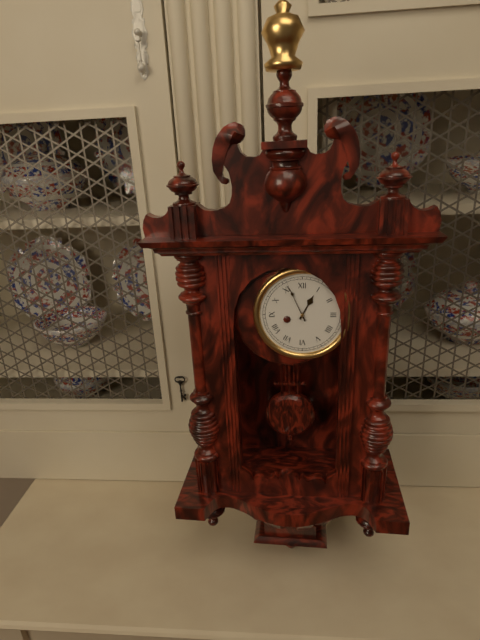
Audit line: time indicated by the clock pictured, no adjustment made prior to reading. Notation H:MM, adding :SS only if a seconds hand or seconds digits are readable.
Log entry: 12:56
